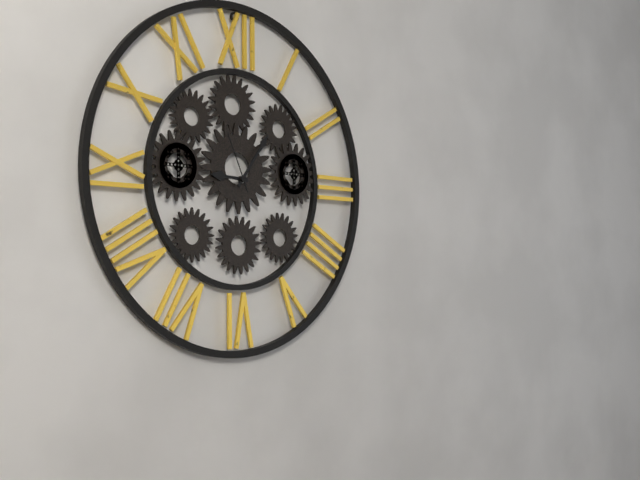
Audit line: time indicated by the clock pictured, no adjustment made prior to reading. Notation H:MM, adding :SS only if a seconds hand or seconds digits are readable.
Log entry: 9:06:56
